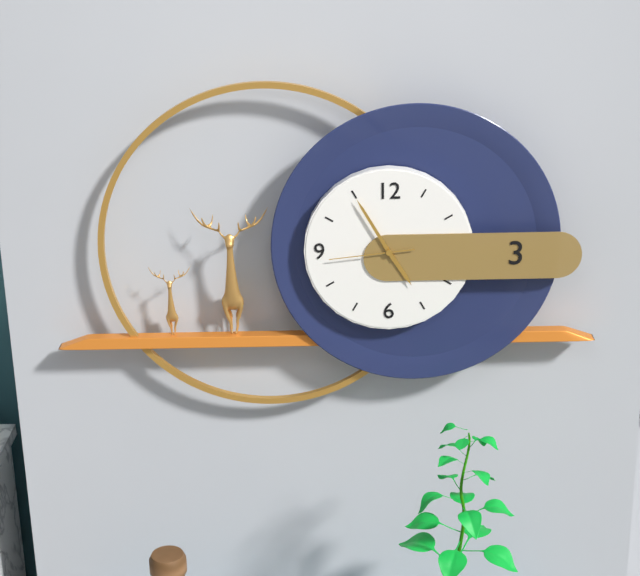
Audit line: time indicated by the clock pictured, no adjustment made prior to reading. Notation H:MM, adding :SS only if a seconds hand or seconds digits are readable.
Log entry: 4:55:44
